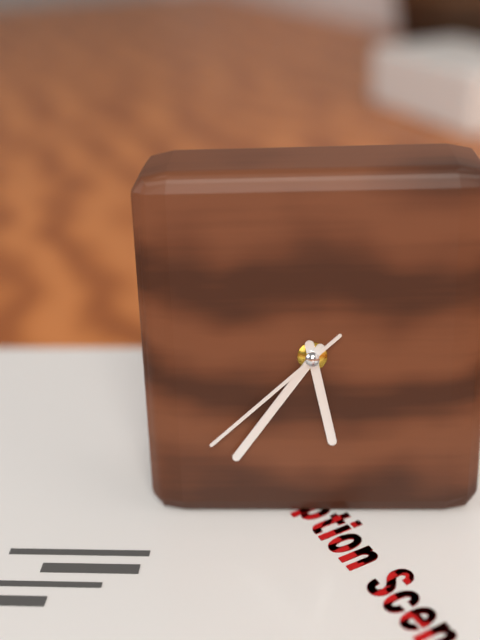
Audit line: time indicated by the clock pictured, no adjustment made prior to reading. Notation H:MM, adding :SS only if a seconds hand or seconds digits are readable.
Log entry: 5:36:38
